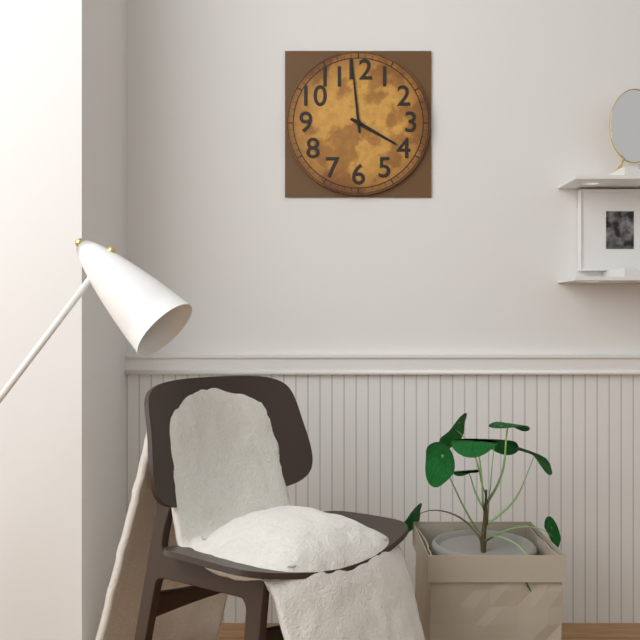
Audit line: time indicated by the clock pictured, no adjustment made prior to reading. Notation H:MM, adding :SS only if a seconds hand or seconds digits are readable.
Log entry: 3:59
